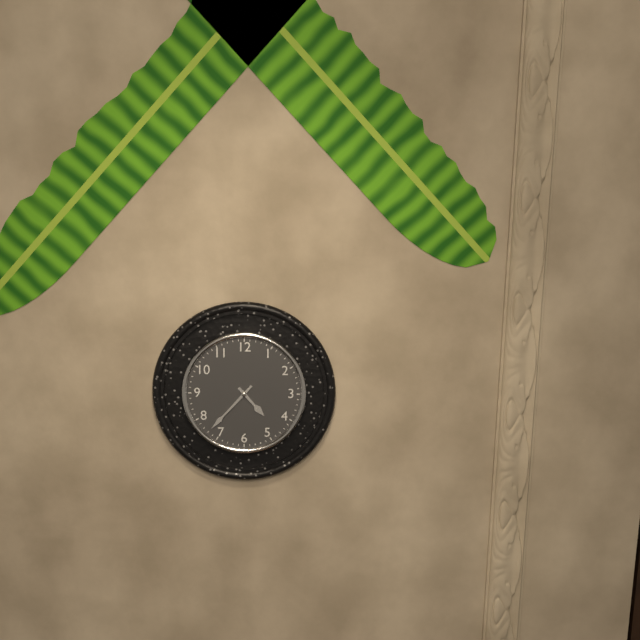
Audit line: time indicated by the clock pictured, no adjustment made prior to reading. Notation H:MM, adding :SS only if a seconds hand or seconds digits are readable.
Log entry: 4:37
